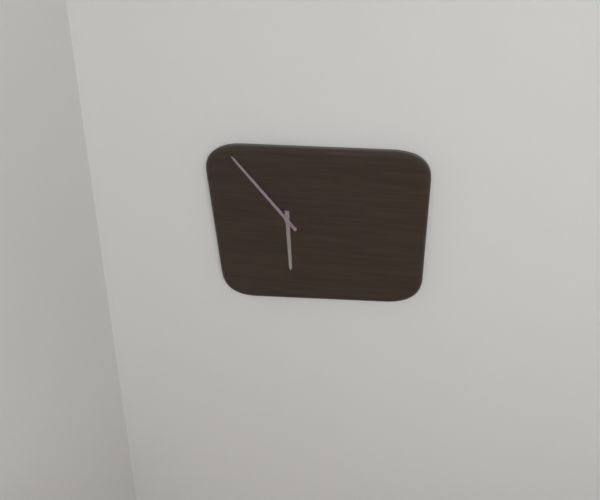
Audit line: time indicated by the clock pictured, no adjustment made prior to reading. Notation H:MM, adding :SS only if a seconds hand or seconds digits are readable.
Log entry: 5:53
